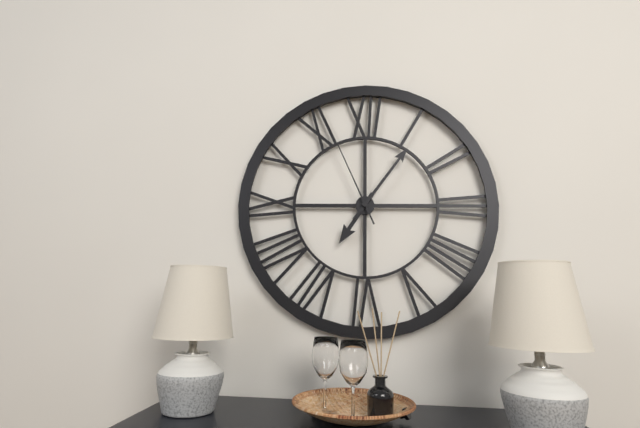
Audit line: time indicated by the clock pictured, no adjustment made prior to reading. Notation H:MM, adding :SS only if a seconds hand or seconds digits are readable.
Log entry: 7:06:56
